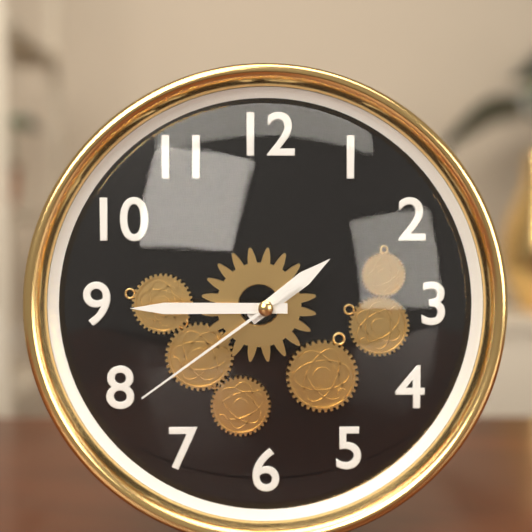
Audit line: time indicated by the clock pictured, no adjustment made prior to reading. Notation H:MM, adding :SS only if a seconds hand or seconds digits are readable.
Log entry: 1:45:39
